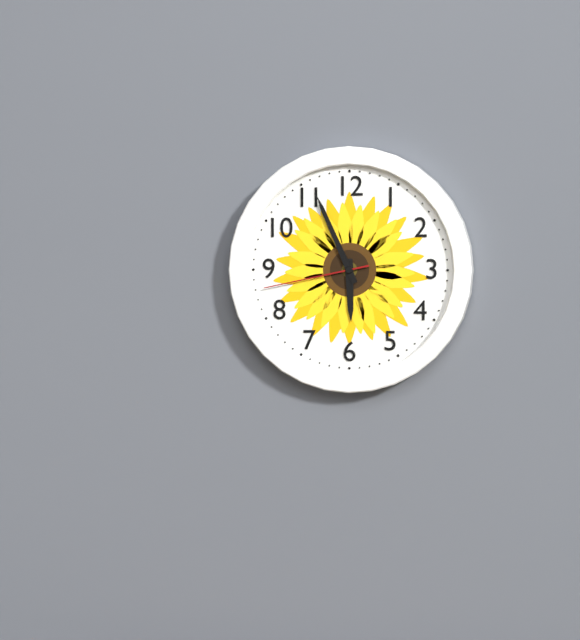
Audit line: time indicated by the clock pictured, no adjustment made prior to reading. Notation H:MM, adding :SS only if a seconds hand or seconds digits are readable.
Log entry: 5:56:43
